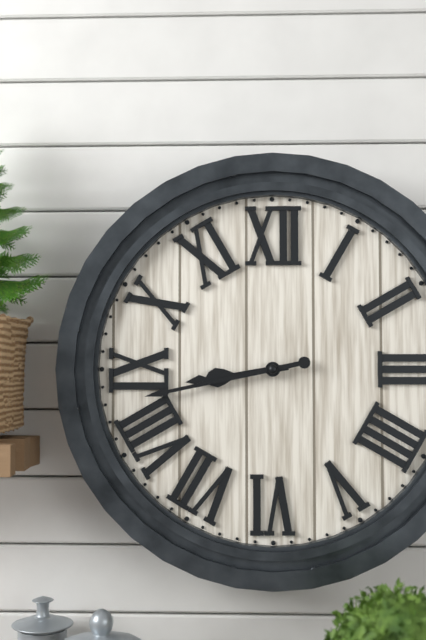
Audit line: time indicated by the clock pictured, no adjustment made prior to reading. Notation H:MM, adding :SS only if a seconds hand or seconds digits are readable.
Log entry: 8:43
